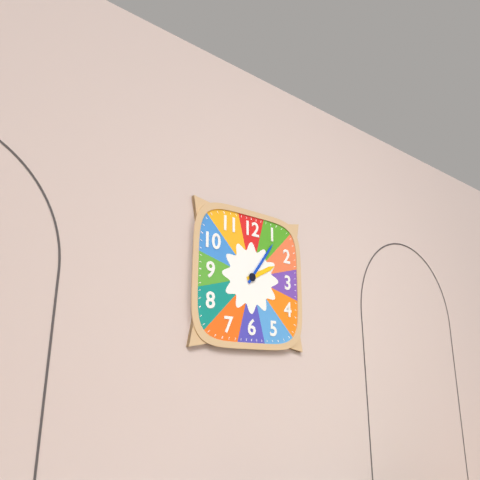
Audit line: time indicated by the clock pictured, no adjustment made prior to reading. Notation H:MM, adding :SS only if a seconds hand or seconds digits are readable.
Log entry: 2:06
